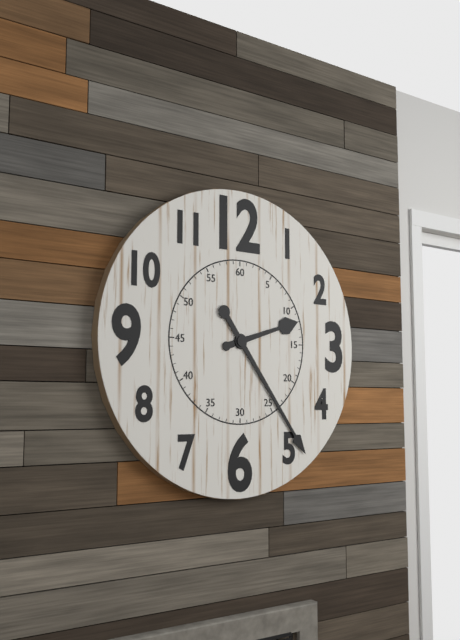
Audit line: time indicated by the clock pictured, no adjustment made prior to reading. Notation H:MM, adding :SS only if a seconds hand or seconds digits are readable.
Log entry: 2:24
